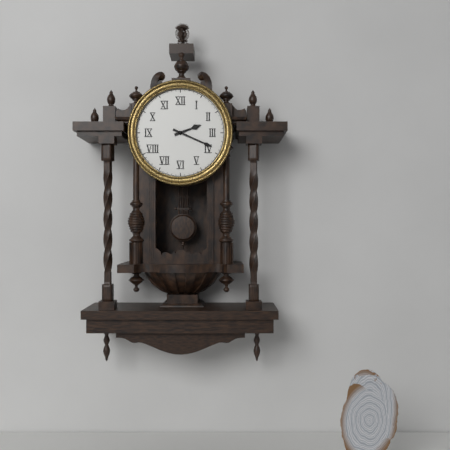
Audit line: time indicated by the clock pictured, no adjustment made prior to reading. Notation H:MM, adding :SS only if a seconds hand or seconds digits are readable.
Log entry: 2:19
